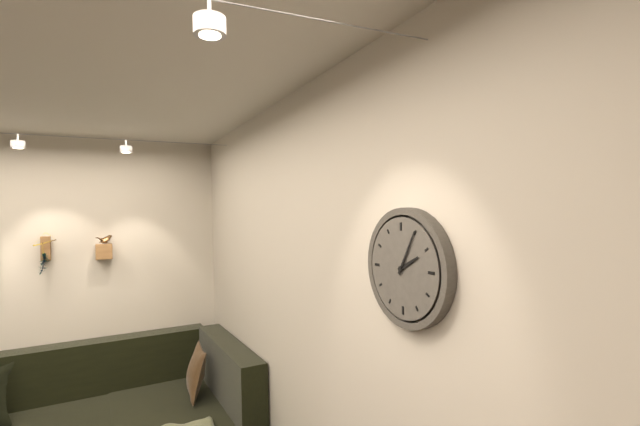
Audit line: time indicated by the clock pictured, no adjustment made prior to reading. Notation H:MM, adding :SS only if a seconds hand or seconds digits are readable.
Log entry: 2:05
